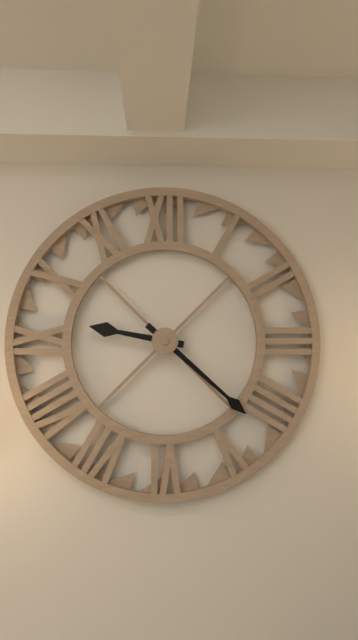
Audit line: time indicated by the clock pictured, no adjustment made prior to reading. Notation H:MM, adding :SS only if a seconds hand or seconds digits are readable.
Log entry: 9:22
